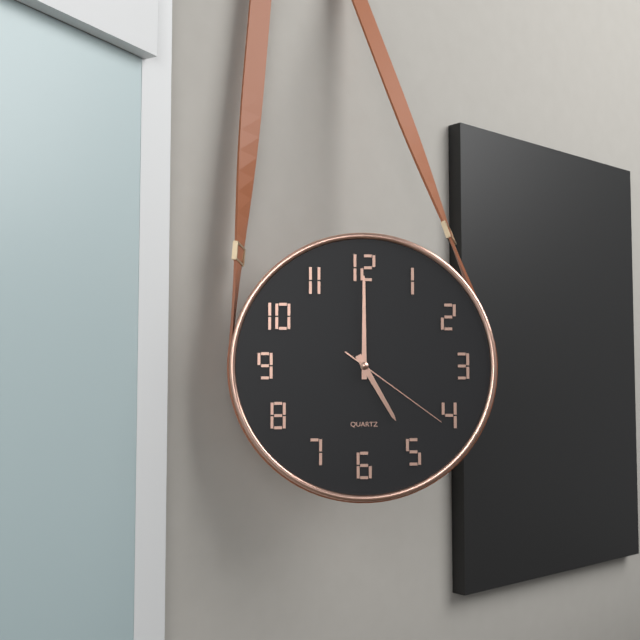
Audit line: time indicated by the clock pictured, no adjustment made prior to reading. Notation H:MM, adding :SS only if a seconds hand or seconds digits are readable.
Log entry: 5:00:21
